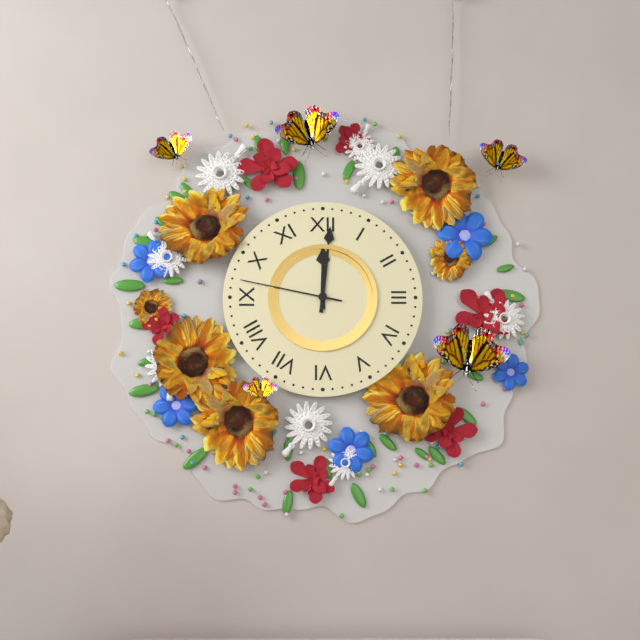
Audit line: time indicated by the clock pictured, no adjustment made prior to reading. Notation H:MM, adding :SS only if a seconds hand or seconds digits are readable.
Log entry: 12:01:47
